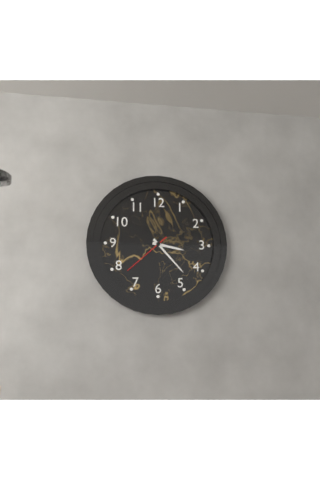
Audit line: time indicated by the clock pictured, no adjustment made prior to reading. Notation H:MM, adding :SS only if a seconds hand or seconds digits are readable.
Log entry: 3:23:38
